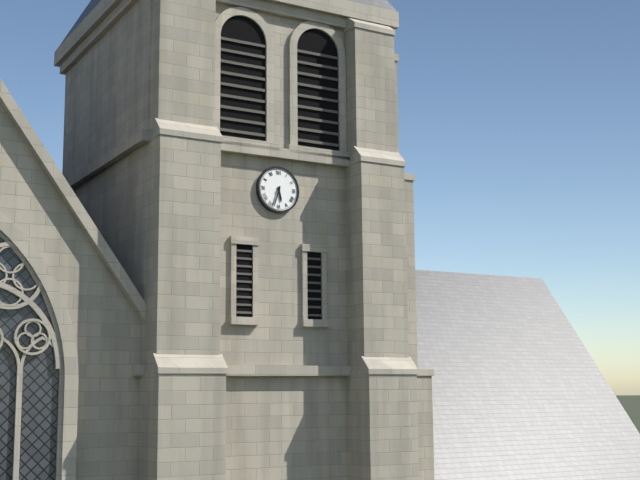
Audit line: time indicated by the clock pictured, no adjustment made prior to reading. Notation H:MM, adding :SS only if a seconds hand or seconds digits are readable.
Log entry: 5:33
